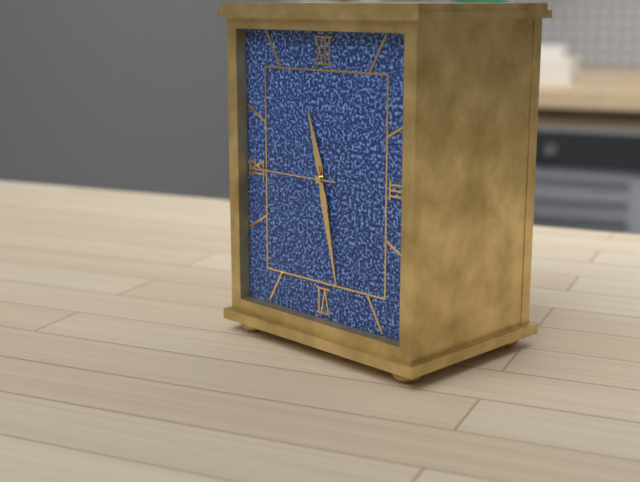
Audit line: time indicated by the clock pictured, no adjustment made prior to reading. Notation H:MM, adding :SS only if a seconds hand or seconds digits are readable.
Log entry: 11:28:45
